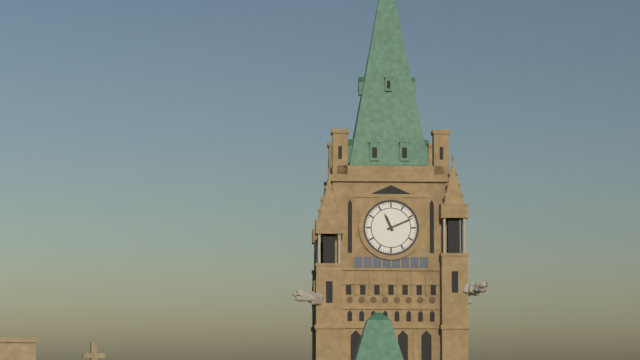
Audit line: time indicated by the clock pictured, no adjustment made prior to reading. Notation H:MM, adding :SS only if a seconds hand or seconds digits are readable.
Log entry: 11:11
